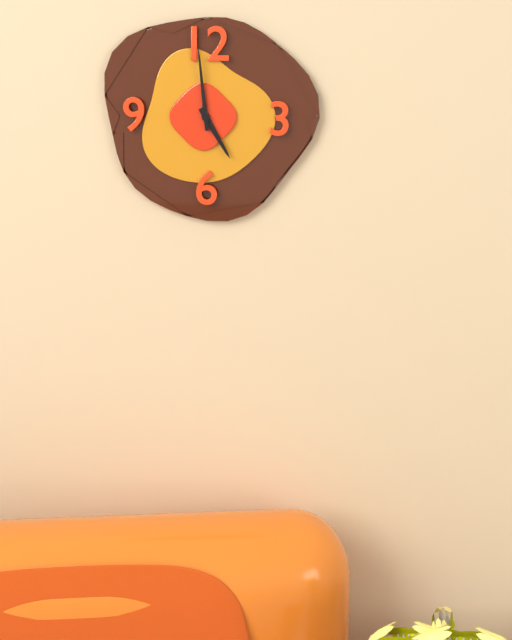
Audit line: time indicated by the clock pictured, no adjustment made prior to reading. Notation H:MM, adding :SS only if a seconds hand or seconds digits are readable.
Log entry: 4:59
